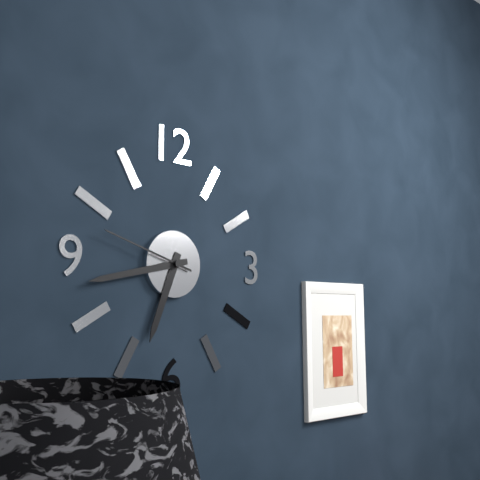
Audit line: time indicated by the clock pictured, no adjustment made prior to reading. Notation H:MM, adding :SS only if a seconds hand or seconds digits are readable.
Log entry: 6:43:48
